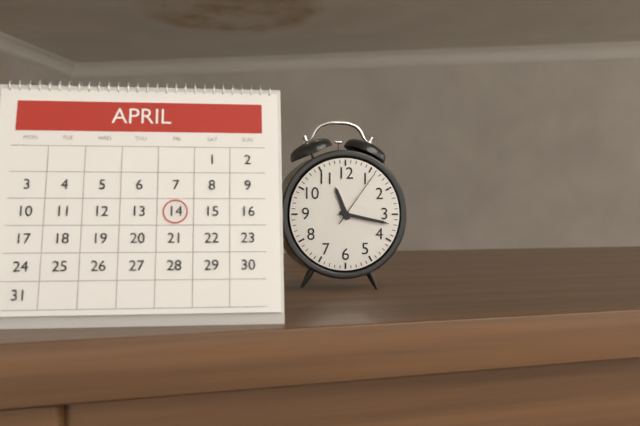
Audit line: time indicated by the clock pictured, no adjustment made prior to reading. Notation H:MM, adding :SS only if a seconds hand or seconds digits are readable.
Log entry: 11:17:06
